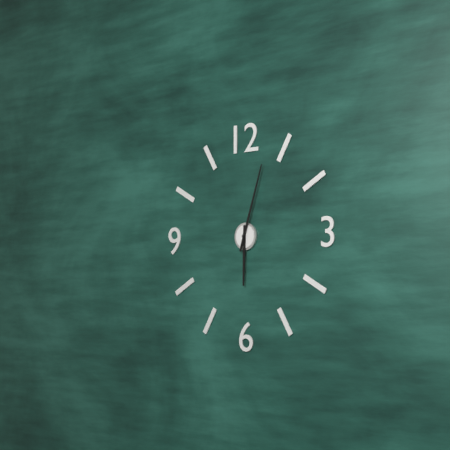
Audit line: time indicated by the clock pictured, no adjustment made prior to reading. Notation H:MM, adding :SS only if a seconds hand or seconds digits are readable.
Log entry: 6:03
